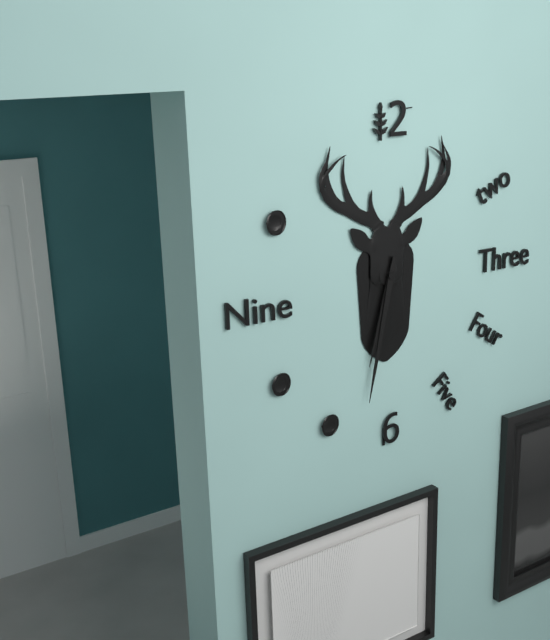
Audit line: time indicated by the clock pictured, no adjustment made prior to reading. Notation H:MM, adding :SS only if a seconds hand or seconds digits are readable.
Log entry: 6:32
